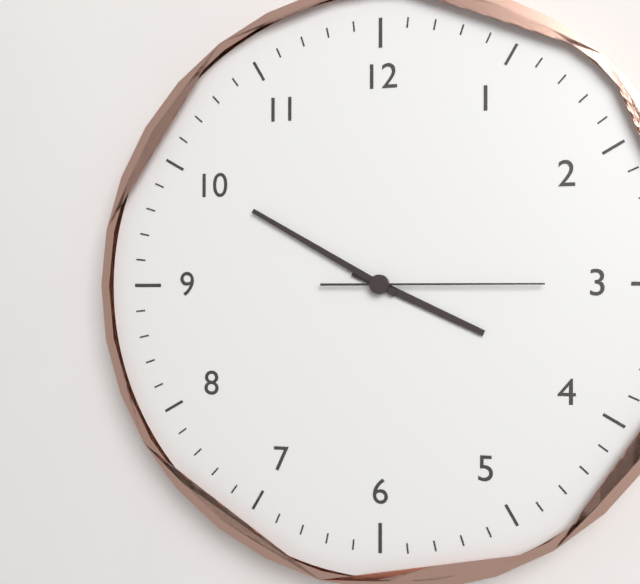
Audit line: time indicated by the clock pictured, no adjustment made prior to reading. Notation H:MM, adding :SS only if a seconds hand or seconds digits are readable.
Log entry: 3:50:15
